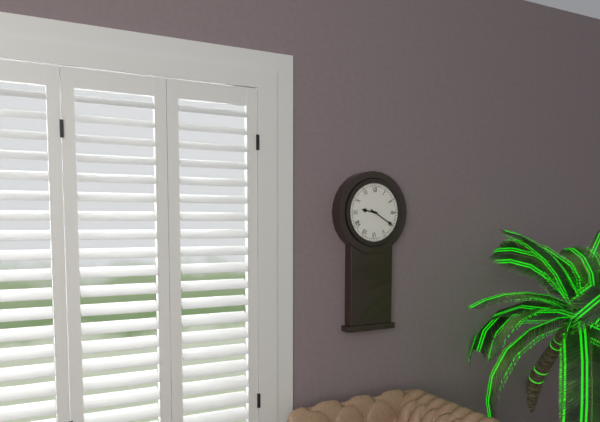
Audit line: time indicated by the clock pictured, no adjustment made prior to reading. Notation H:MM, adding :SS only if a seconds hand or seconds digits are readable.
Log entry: 9:20
